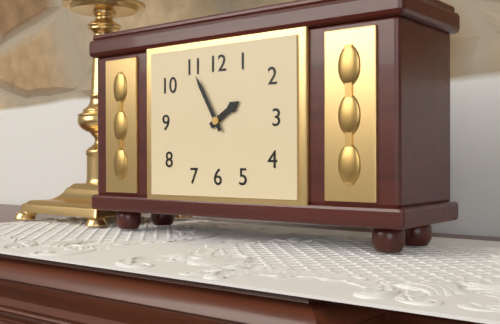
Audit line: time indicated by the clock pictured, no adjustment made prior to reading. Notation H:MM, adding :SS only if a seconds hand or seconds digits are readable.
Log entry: 1:55
